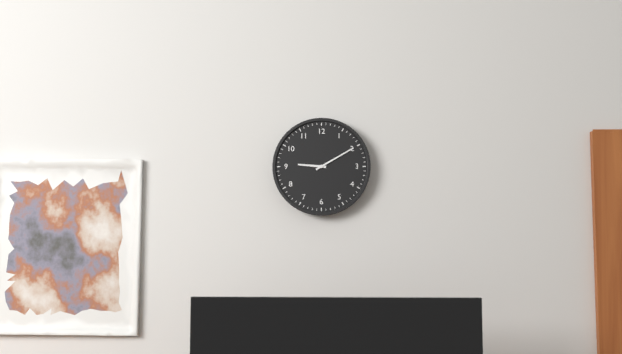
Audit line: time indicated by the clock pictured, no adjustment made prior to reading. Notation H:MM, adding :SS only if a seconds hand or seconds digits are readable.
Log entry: 9:10
